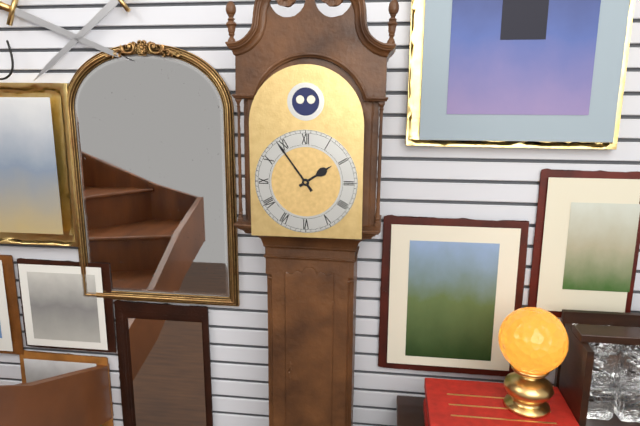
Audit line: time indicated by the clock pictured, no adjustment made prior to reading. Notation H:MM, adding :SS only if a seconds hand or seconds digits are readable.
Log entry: 1:54
